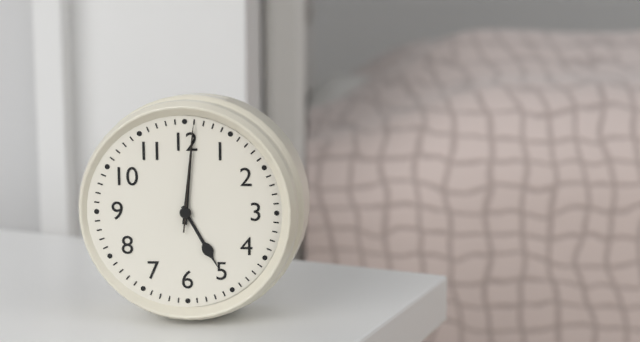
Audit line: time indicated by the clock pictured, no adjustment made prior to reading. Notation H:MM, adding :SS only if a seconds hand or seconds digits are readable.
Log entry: 5:01:01
